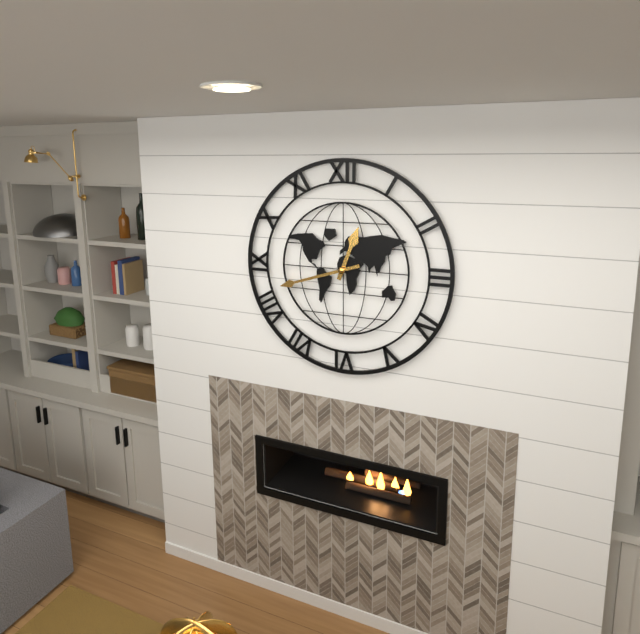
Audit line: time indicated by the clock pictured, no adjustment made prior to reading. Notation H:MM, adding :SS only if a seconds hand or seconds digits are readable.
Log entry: 12:42
